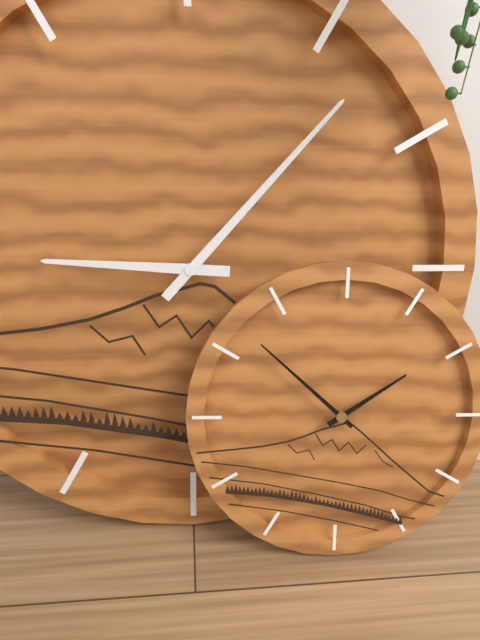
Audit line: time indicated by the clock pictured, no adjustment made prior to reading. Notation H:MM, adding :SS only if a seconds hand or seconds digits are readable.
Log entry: 9:07
